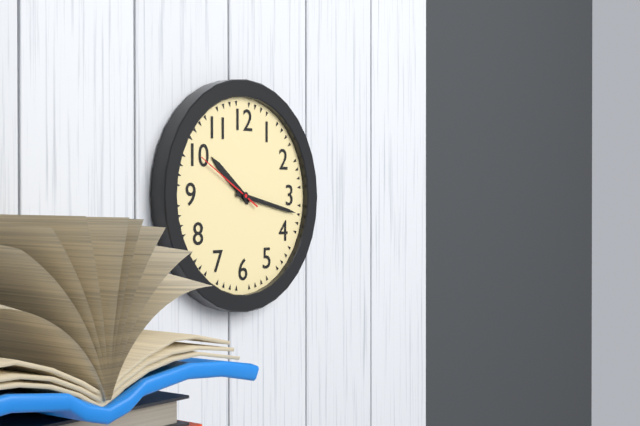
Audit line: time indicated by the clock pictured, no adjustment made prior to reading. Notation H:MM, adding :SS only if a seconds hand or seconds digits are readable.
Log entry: 10:17:50
